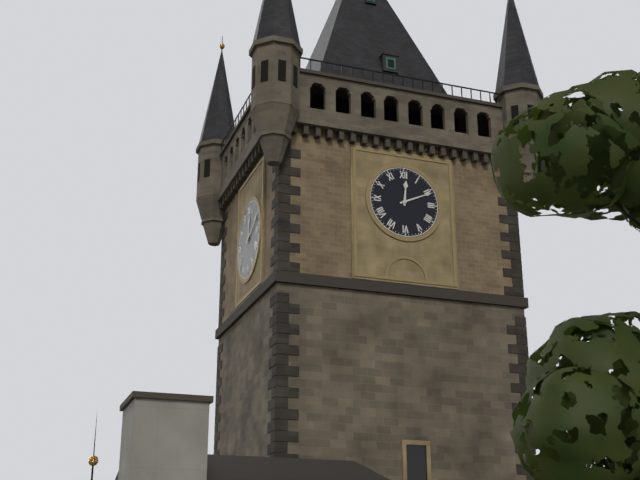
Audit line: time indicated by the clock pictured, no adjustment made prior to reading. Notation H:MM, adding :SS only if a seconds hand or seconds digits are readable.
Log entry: 12:11
